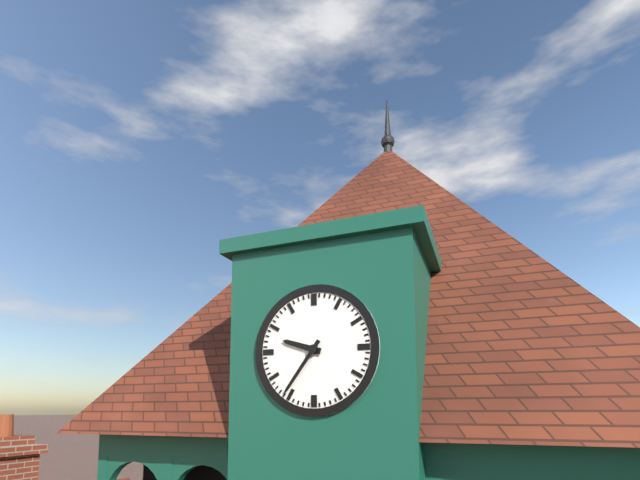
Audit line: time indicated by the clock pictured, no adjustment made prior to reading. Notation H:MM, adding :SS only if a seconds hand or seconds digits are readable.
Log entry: 9:36
